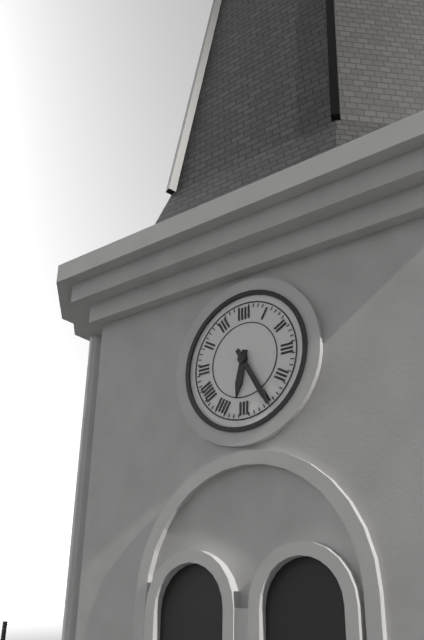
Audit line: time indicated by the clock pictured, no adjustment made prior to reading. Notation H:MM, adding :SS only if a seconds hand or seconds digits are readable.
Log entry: 6:25
